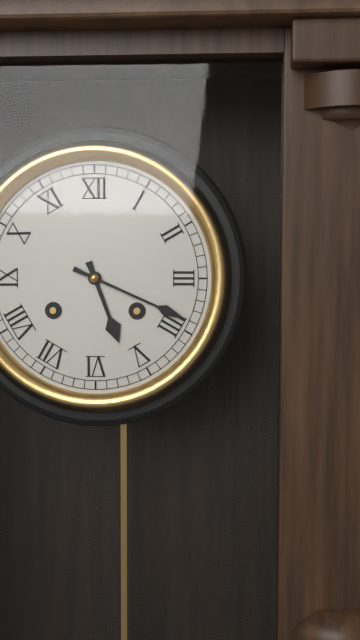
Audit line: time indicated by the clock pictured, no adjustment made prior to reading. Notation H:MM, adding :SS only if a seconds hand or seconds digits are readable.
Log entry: 5:19
